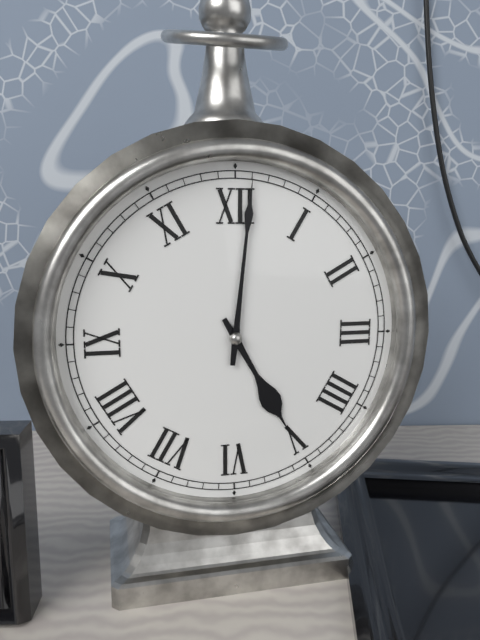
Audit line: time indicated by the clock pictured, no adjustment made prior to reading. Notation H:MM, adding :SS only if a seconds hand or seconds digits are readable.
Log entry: 5:01
